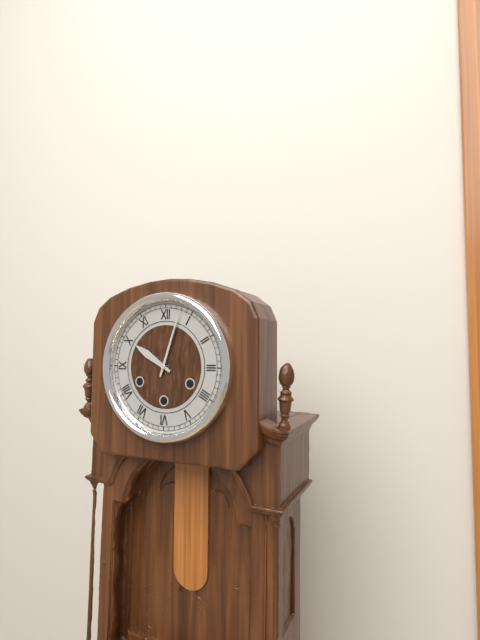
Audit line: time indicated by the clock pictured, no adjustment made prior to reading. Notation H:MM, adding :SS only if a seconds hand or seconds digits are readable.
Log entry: 10:03
